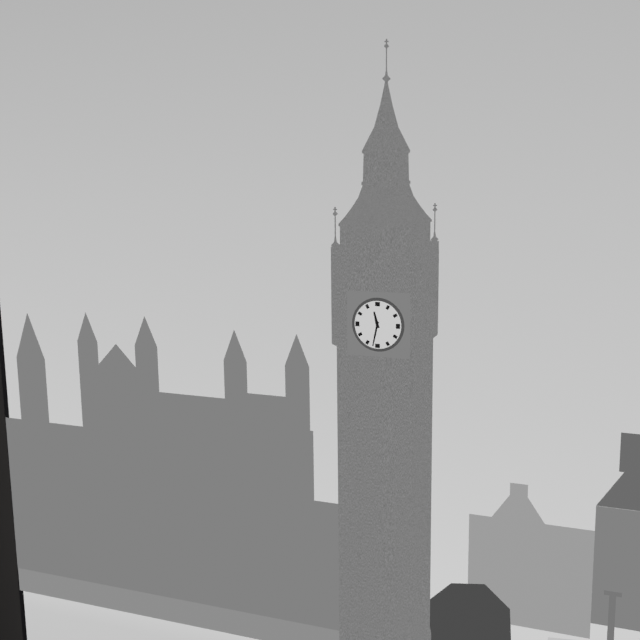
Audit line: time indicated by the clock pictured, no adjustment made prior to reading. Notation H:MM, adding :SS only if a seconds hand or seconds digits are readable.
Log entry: 11:32
